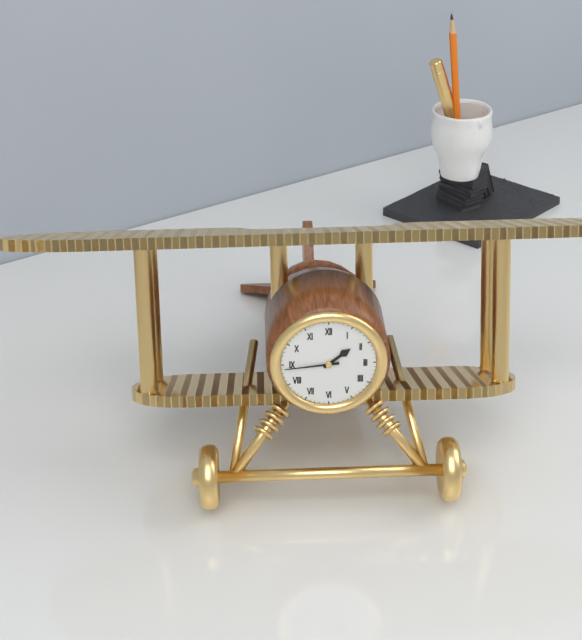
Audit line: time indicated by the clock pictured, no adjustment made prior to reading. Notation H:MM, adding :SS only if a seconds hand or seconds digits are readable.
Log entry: 1:44
